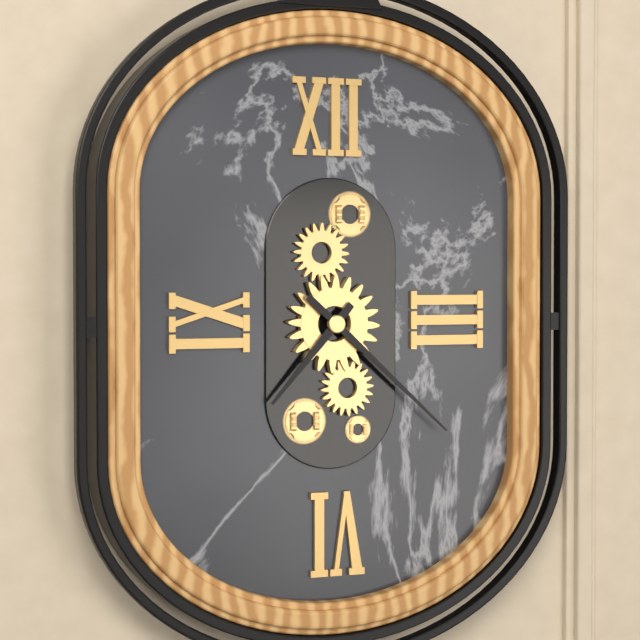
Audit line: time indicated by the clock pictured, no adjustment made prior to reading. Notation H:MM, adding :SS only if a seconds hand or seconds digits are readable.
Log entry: 7:22
